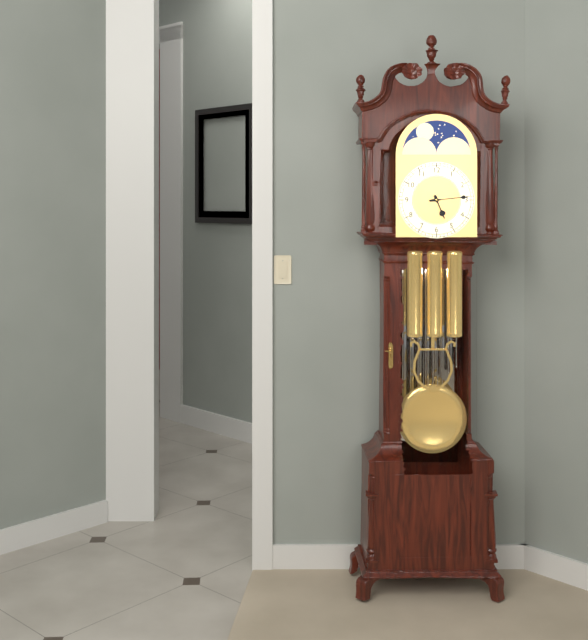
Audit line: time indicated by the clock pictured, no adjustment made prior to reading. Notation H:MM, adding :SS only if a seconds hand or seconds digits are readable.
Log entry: 5:14
